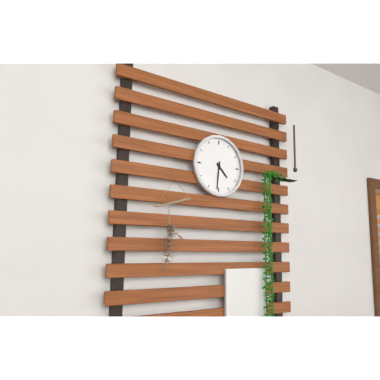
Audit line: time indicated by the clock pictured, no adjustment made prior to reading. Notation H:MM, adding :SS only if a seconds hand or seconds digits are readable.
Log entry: 4:31
